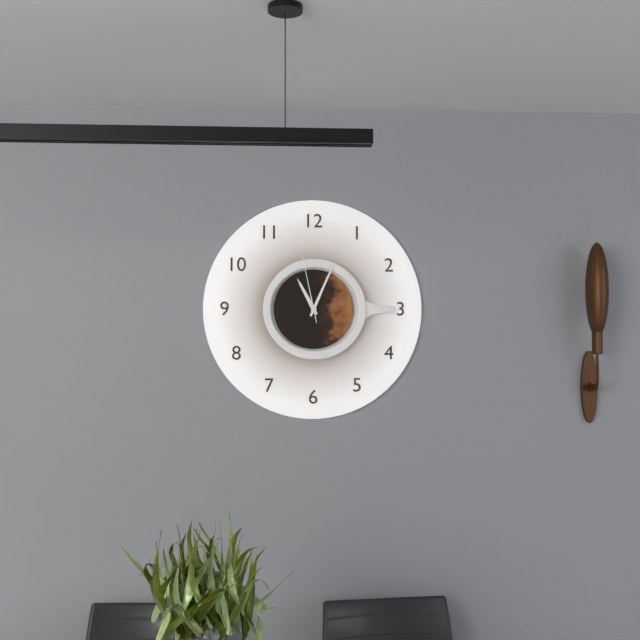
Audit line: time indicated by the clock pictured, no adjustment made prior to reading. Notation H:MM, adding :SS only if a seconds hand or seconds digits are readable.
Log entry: 11:04:58
